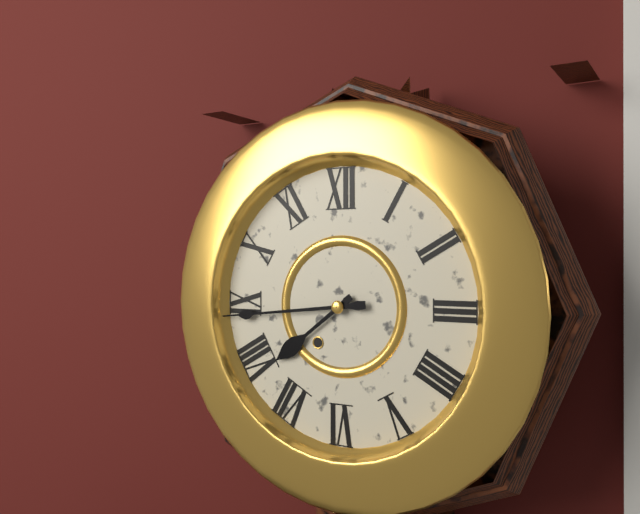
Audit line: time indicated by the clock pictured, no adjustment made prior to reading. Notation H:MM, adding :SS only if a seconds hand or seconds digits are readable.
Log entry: 7:44
